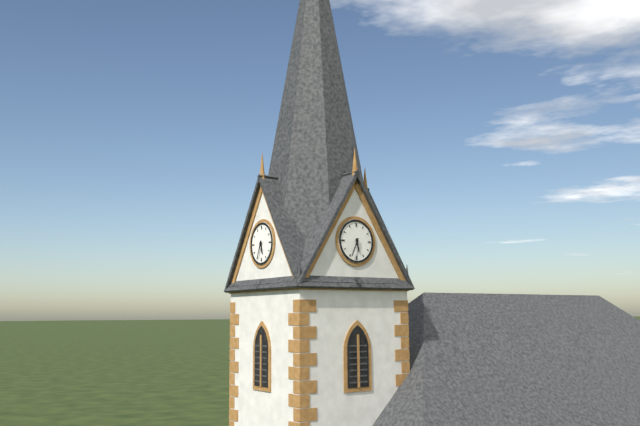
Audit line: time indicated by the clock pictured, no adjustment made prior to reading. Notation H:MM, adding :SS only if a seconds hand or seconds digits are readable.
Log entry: 5:34
